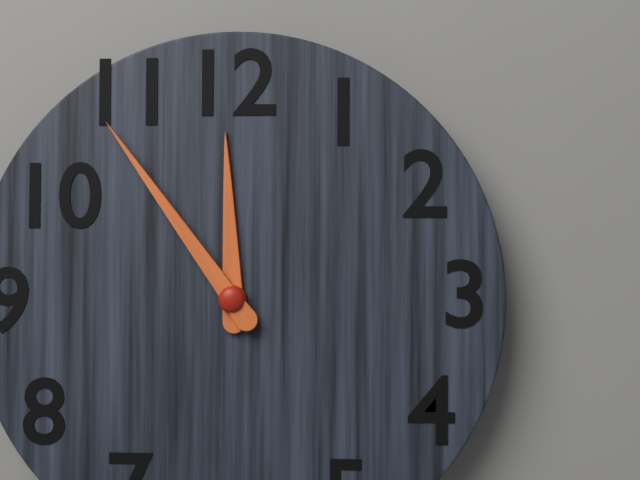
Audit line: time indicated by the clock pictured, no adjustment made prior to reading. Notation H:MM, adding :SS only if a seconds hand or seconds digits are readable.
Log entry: 11:54
